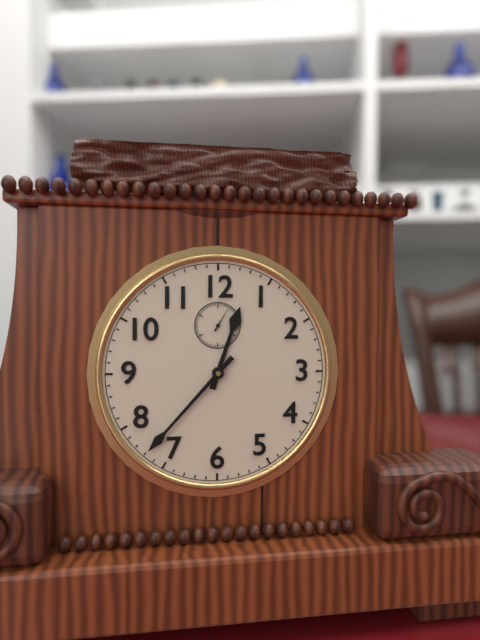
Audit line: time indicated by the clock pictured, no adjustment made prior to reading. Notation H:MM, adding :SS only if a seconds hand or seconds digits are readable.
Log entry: 12:37
